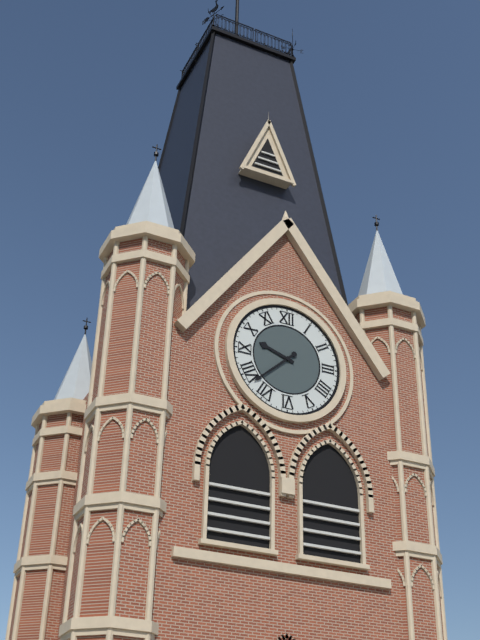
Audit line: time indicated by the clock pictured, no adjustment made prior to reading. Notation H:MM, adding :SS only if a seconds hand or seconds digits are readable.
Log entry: 9:38
